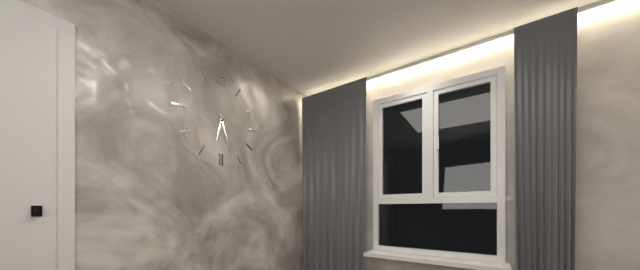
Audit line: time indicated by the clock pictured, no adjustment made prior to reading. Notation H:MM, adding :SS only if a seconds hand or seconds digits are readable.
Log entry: 6:27
